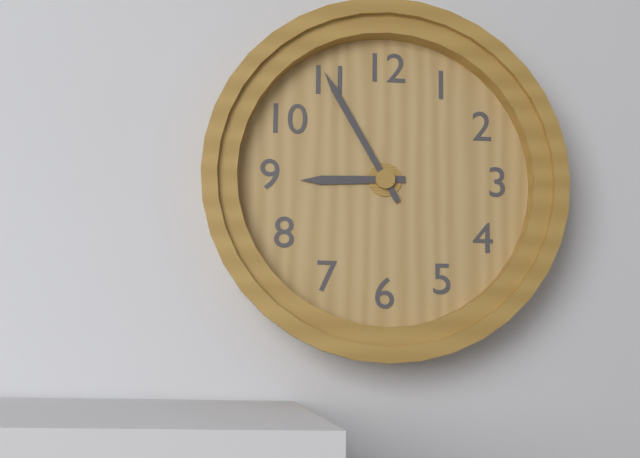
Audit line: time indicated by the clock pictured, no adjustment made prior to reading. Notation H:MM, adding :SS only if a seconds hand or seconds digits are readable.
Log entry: 8:55
